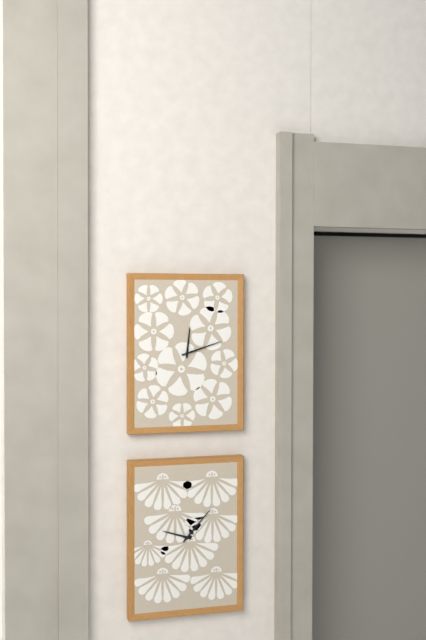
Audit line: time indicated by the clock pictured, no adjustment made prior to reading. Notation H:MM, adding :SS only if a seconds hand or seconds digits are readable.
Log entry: 12:12
